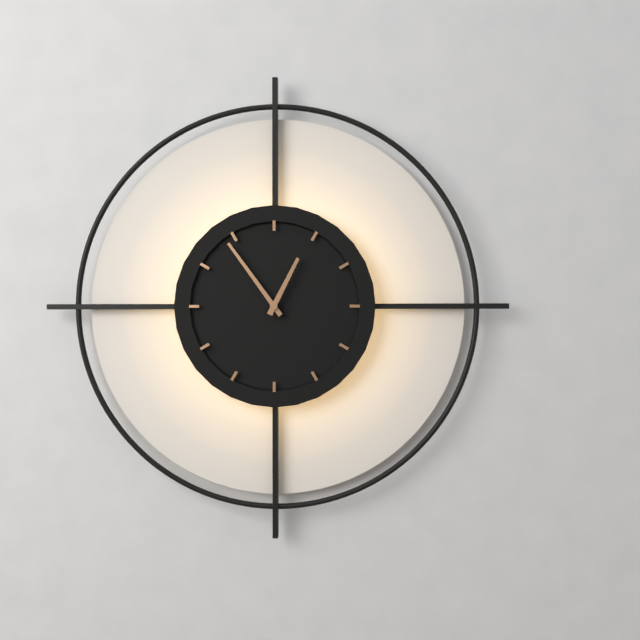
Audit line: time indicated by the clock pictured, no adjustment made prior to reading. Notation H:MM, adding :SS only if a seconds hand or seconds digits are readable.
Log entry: 12:54
